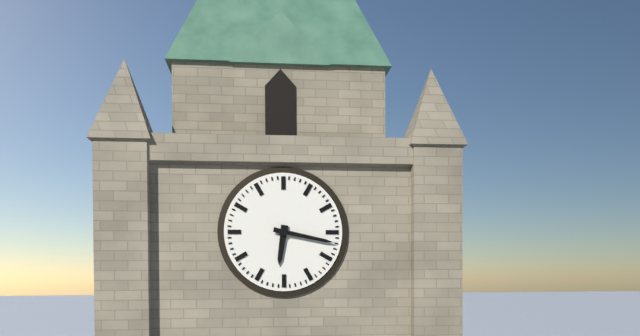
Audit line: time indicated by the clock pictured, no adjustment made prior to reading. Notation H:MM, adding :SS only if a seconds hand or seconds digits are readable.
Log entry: 6:17
